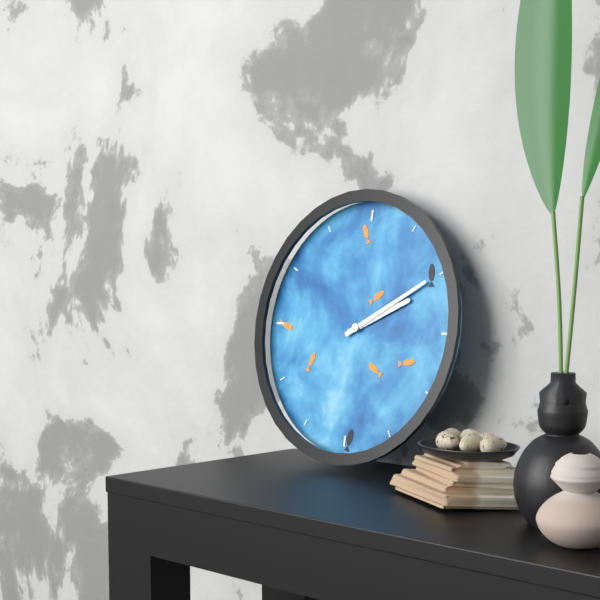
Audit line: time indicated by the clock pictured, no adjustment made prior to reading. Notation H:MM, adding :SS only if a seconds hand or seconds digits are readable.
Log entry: 2:10
